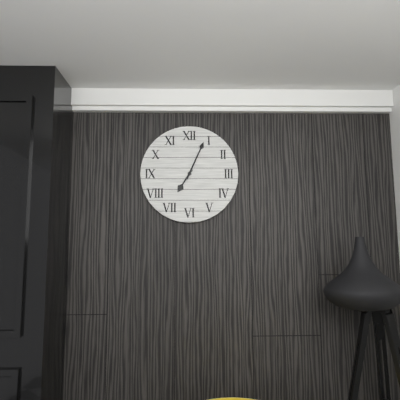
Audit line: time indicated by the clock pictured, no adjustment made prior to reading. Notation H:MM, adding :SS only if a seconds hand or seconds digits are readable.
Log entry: 7:04
